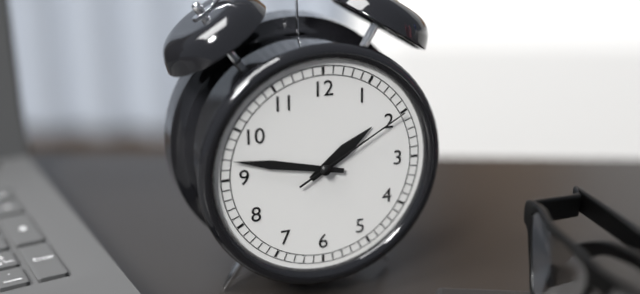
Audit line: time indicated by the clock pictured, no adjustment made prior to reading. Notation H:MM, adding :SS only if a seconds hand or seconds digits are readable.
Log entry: 1:47:10
